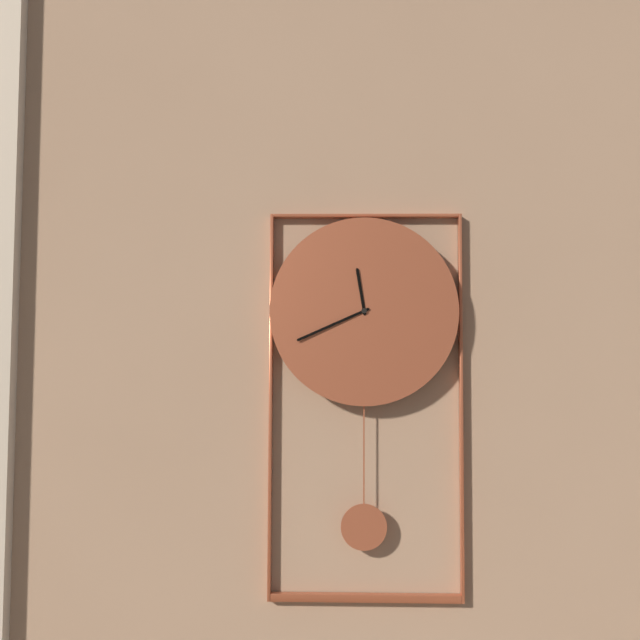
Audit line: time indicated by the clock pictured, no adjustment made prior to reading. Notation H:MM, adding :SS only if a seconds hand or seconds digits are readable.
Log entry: 11:41
